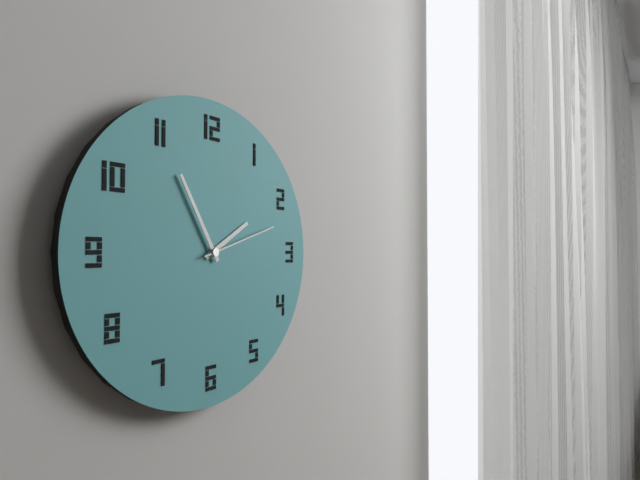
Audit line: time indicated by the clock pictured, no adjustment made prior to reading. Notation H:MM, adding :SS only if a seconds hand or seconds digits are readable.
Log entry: 1:55:12
